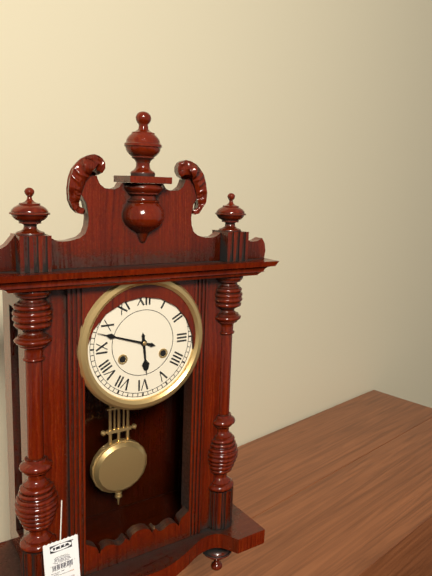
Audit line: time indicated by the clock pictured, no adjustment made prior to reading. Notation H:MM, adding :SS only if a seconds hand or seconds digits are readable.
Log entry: 5:48
